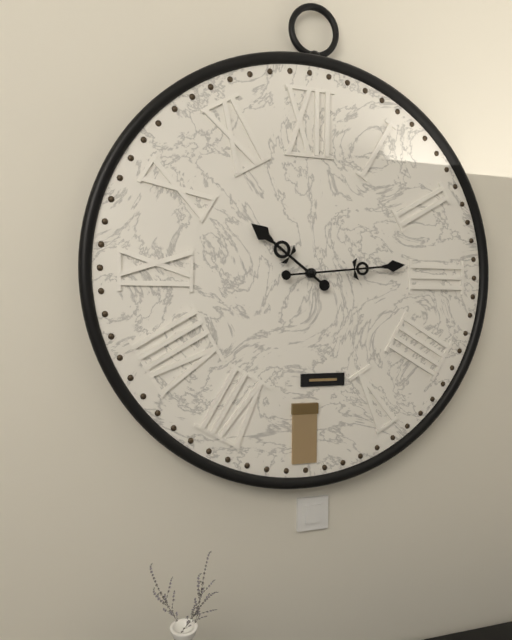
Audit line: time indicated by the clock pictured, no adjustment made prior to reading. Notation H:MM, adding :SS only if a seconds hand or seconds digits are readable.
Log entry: 10:14
